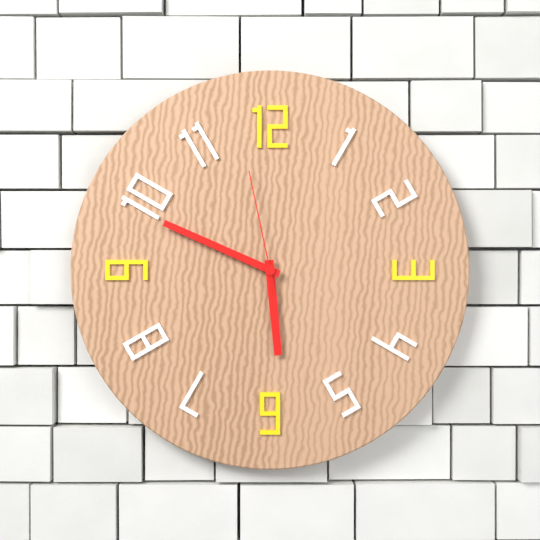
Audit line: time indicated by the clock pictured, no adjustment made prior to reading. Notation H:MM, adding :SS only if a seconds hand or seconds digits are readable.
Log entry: 5:49:58
